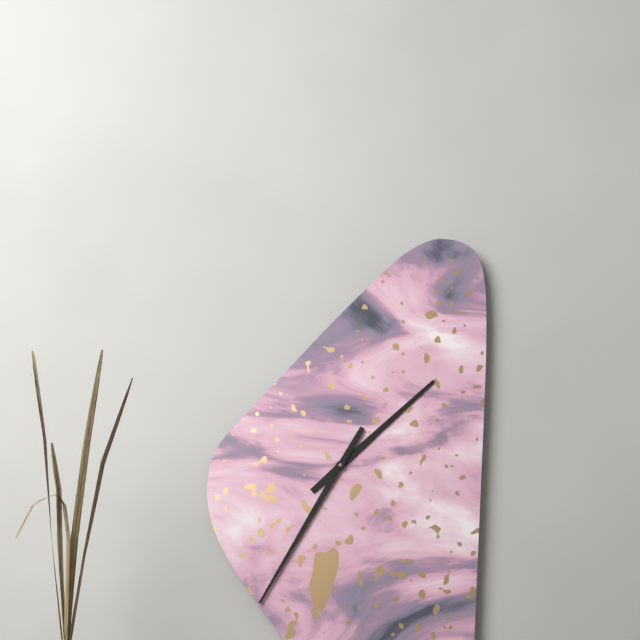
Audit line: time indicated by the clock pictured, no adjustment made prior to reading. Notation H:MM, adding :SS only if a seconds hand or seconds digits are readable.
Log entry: 1:35
